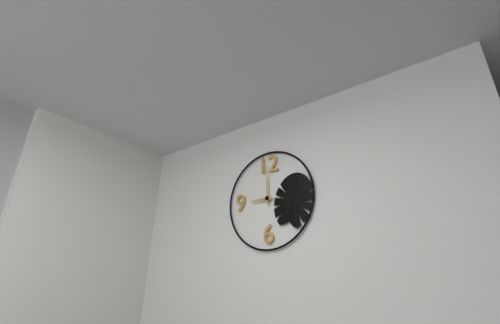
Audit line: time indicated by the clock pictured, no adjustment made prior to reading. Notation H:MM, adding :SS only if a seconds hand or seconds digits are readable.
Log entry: 9:00
